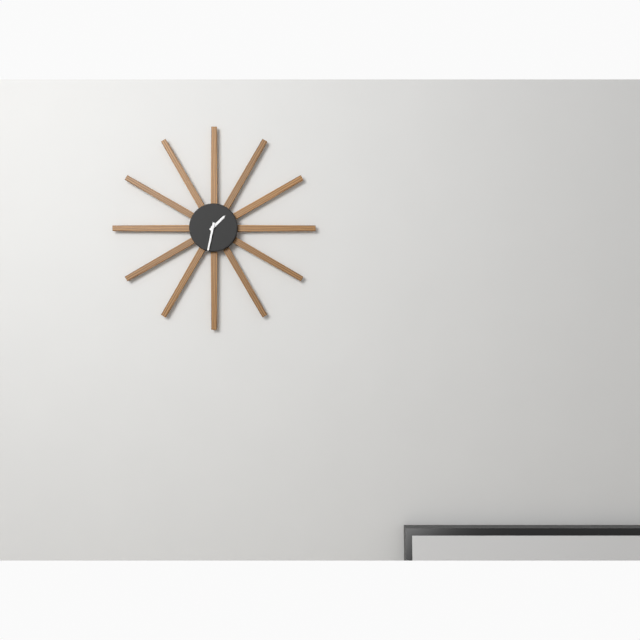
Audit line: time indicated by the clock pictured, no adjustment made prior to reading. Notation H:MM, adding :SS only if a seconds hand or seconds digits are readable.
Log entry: 1:32
